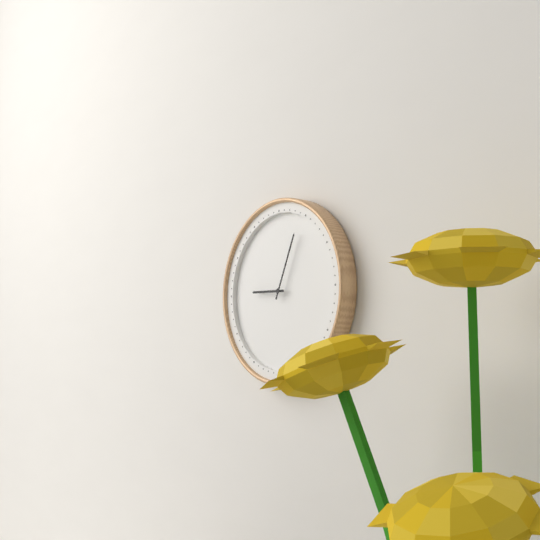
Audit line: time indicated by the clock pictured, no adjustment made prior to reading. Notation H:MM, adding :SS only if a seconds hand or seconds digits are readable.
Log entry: 9:04
